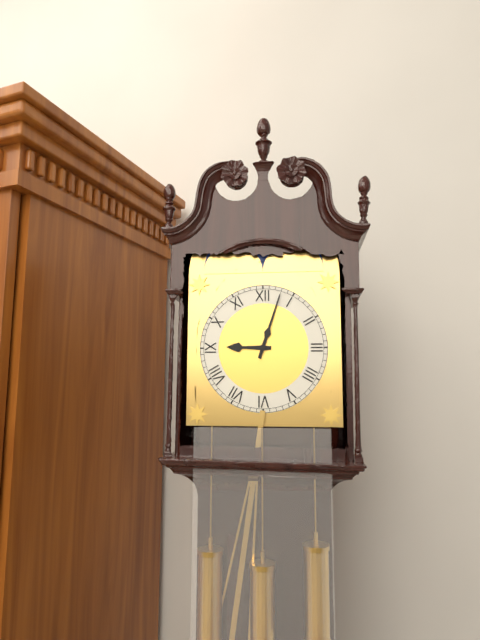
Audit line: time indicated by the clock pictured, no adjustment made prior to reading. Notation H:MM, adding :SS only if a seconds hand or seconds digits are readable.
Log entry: 9:03
